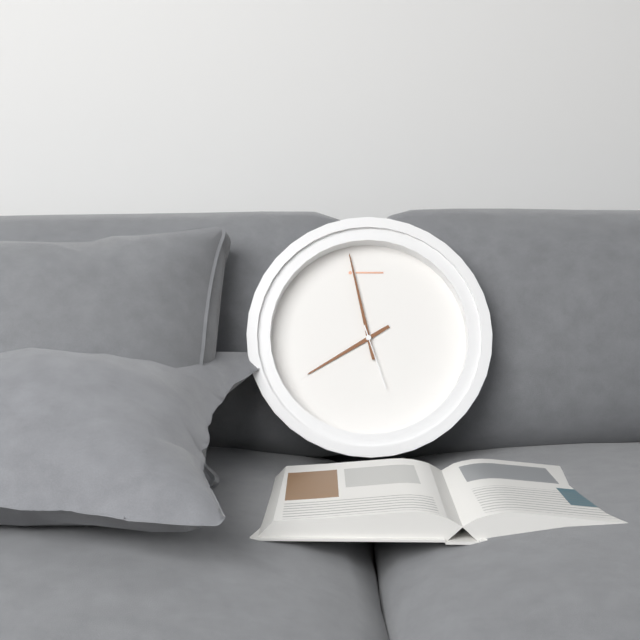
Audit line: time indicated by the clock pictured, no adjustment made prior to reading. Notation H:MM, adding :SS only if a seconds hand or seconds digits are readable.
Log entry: 7:58:27
